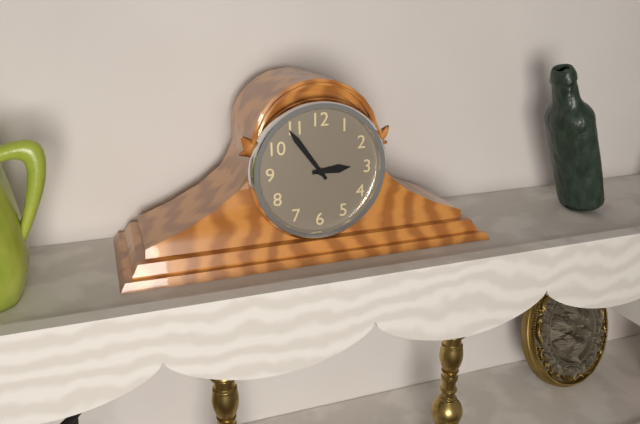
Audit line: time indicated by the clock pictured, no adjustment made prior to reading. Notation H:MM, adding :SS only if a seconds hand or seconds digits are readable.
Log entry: 2:54
